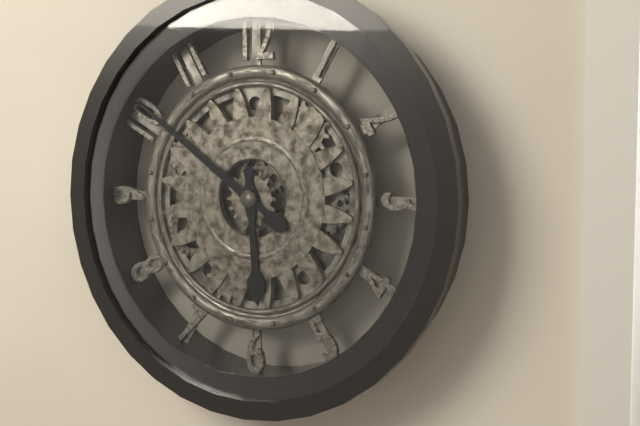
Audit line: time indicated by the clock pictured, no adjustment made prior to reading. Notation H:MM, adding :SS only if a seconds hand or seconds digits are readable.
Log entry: 5:51
